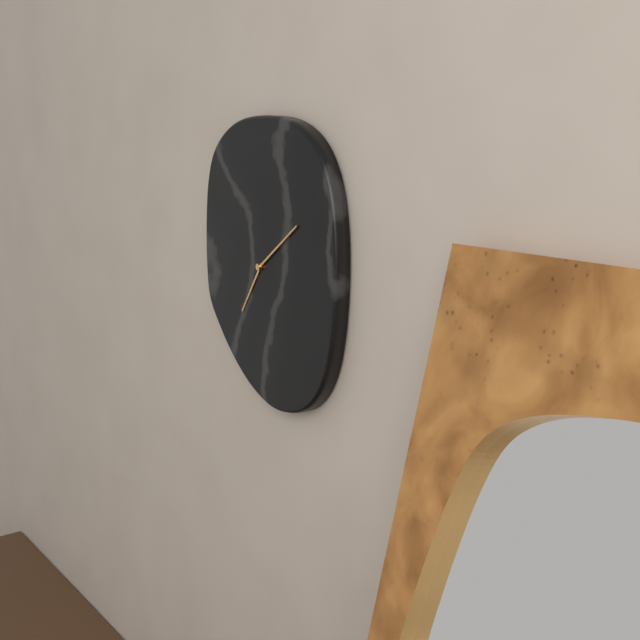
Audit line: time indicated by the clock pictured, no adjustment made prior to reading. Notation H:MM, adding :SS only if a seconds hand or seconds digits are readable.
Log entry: 7:09
